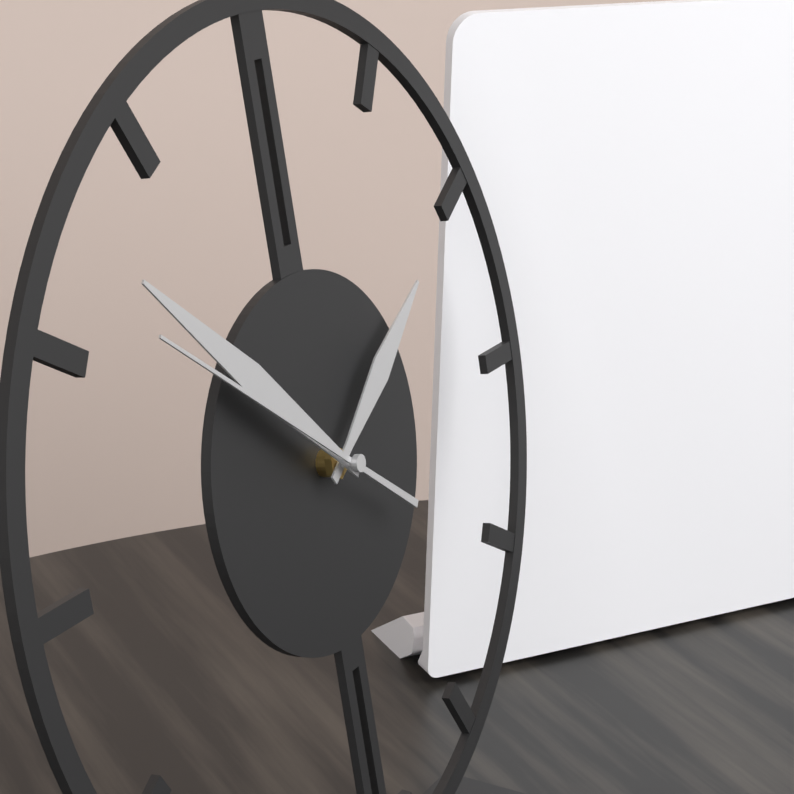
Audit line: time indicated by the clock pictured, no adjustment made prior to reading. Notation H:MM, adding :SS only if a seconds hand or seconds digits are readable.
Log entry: 1:52:51
